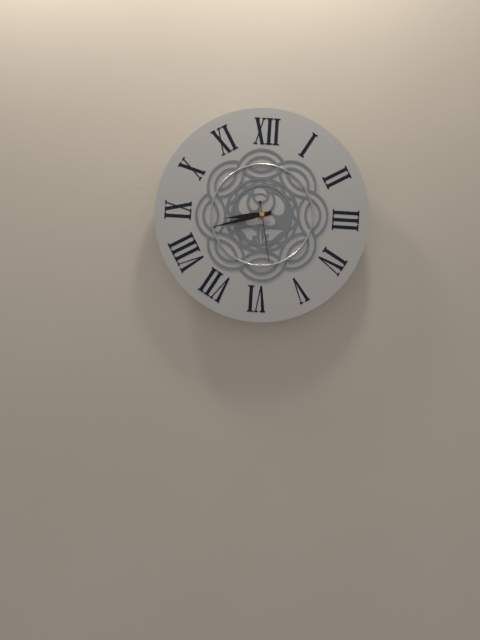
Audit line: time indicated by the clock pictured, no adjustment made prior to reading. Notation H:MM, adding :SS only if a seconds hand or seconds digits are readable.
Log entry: 8:42:28
